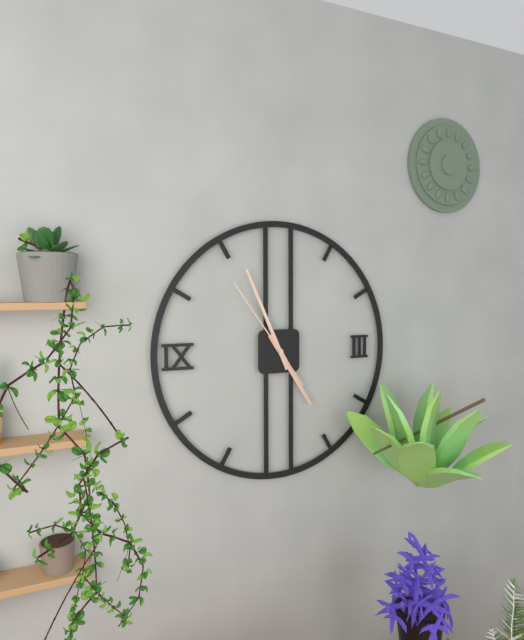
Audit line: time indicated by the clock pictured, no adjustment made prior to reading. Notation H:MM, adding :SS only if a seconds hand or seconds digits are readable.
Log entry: 4:56:54
